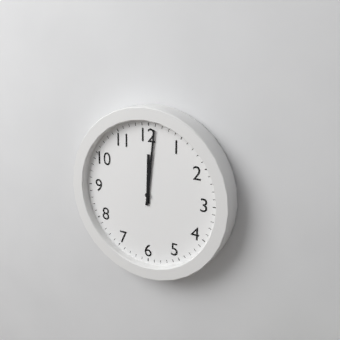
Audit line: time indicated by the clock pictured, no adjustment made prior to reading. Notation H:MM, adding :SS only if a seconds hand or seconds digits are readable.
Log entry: 12:01
